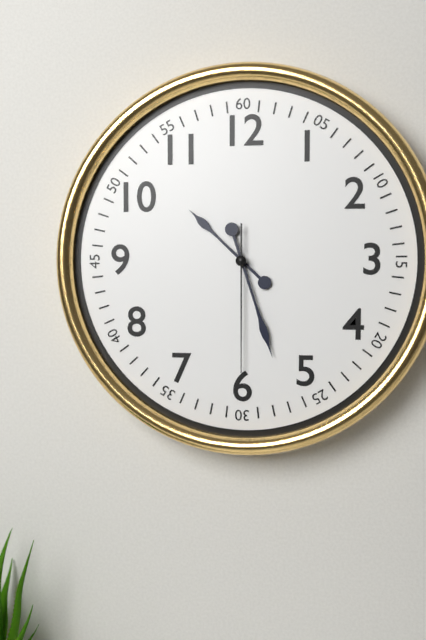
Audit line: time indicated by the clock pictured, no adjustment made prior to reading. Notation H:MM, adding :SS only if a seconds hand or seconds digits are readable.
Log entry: 10:27:30
